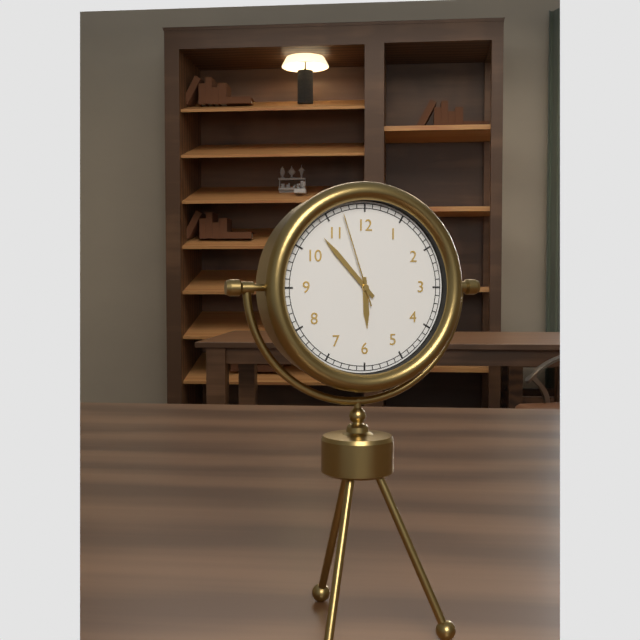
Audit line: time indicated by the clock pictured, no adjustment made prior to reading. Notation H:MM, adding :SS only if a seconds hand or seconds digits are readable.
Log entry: 5:53:57
